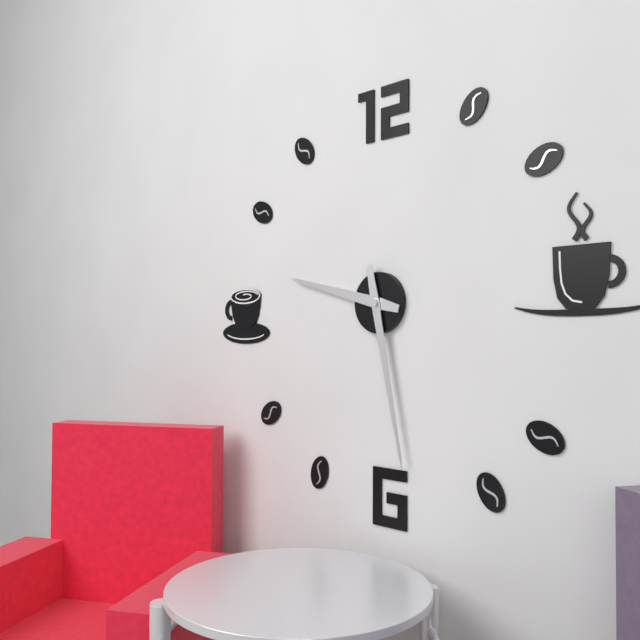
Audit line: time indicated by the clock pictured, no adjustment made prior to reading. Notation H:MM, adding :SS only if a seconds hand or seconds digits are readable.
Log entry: 9:28
